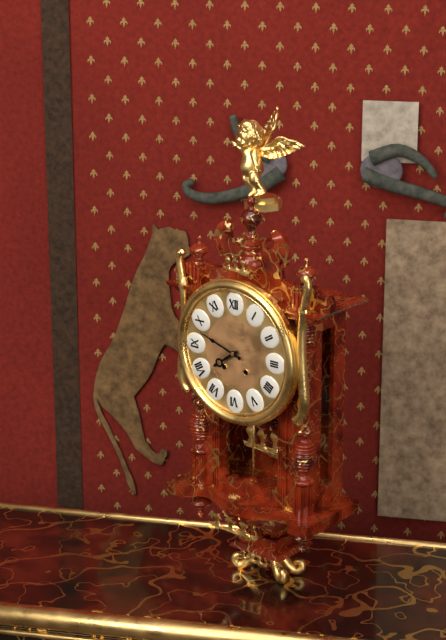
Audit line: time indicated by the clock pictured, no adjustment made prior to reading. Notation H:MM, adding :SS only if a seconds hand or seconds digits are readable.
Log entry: 7:48
